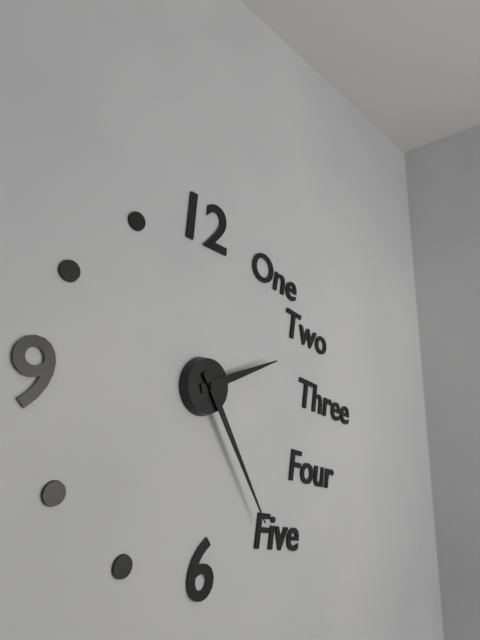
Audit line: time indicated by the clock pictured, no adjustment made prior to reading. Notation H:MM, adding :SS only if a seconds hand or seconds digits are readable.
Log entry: 2:25
